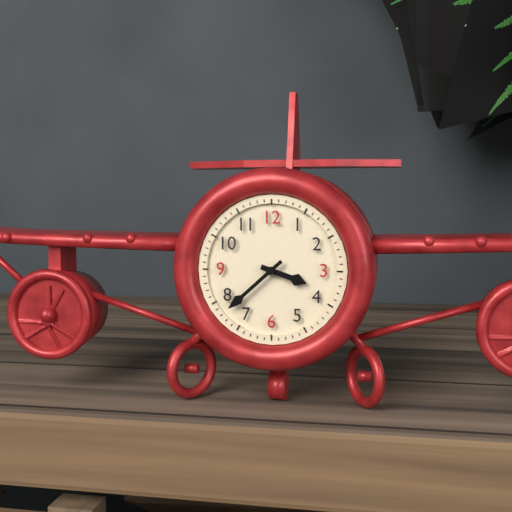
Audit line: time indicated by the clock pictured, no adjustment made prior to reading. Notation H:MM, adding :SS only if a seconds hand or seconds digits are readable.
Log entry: 3:38
